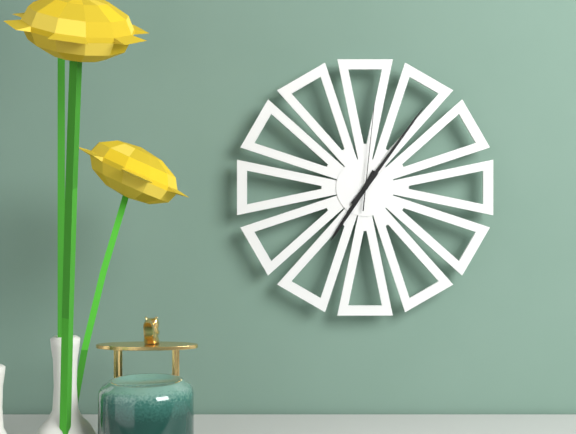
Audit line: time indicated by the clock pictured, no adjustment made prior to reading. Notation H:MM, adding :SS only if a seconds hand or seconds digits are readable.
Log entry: 7:06:01
